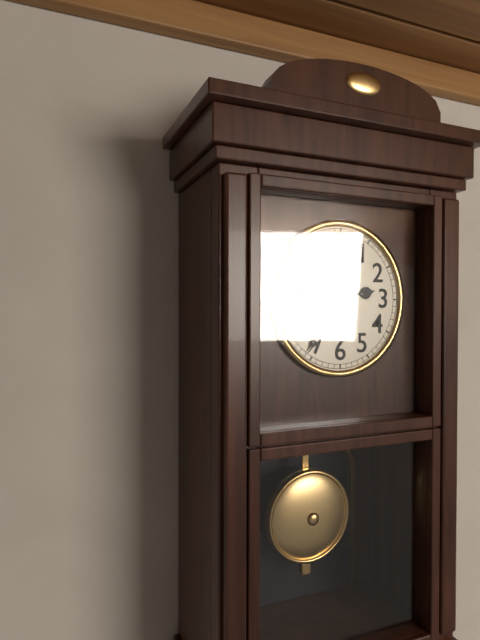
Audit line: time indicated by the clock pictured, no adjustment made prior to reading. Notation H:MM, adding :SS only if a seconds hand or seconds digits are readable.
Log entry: 2:36
